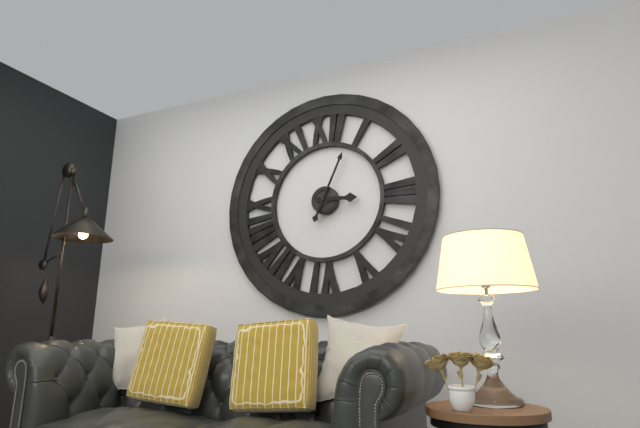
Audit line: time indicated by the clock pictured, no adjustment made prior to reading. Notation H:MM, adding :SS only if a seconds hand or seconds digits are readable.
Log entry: 3:04
